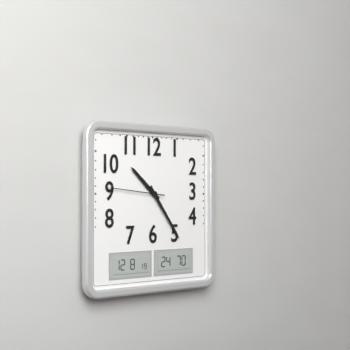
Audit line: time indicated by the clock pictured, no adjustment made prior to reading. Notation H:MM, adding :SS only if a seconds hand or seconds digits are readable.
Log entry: 10:24:46
